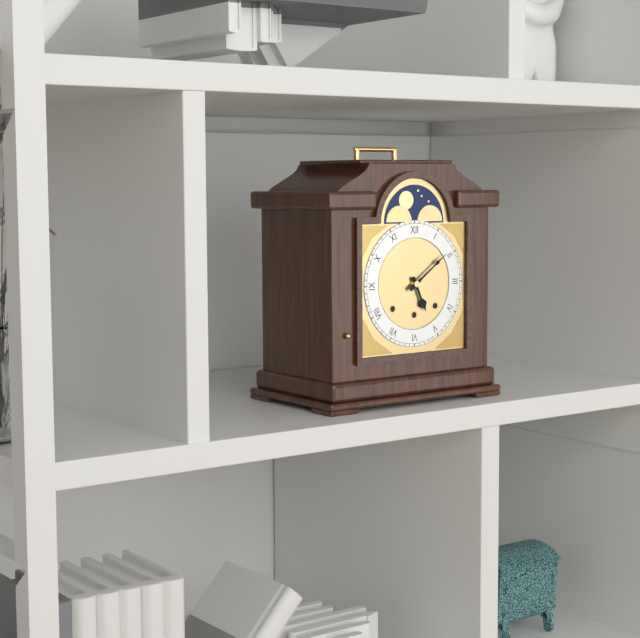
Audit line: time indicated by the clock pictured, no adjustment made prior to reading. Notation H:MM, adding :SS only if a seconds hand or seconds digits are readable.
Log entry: 5:09
